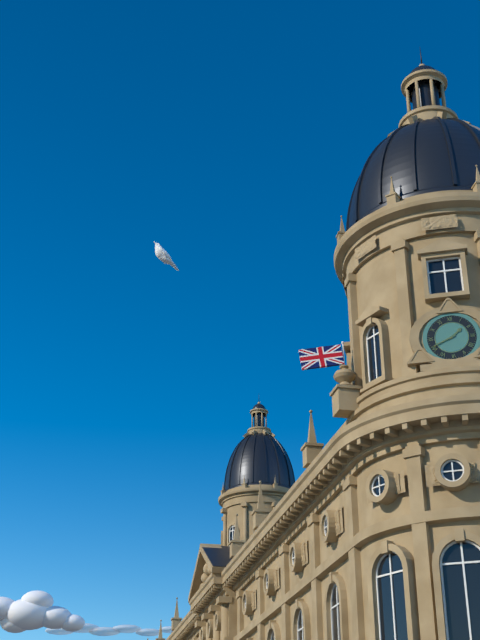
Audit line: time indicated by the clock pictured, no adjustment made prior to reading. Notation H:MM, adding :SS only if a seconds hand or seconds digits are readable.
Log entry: 1:41
